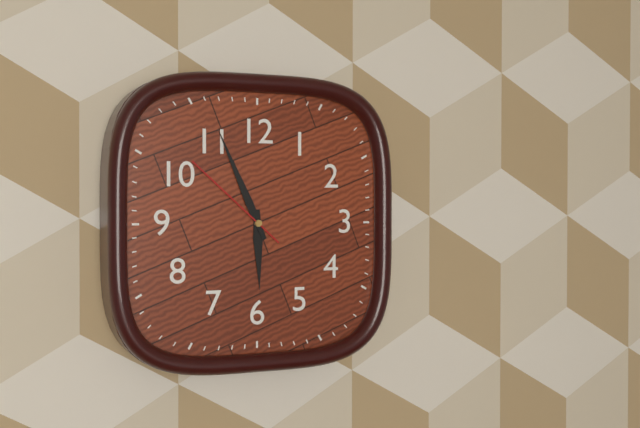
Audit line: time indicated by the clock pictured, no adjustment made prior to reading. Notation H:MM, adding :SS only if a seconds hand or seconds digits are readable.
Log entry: 5:56:52
